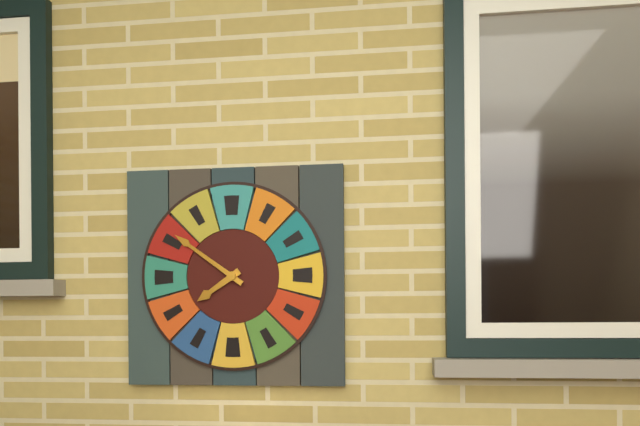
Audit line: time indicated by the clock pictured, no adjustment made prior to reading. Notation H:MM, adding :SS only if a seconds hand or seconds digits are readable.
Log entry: 7:51
